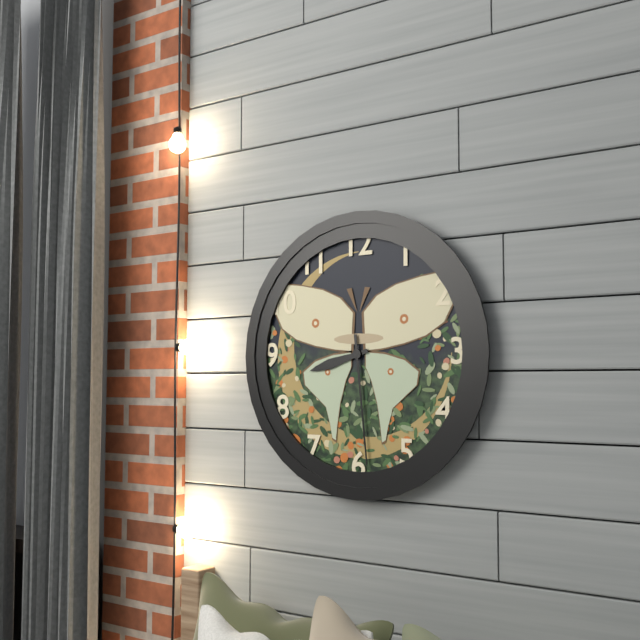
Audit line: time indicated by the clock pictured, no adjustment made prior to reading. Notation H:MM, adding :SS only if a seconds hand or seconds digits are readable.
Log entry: 8:29
